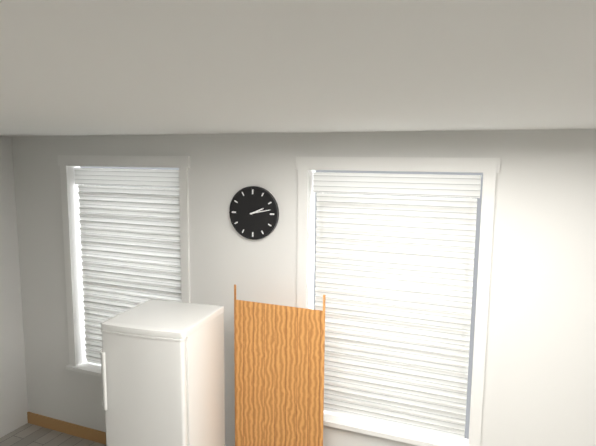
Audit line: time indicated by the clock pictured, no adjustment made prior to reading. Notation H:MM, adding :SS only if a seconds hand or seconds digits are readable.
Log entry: 2:13
